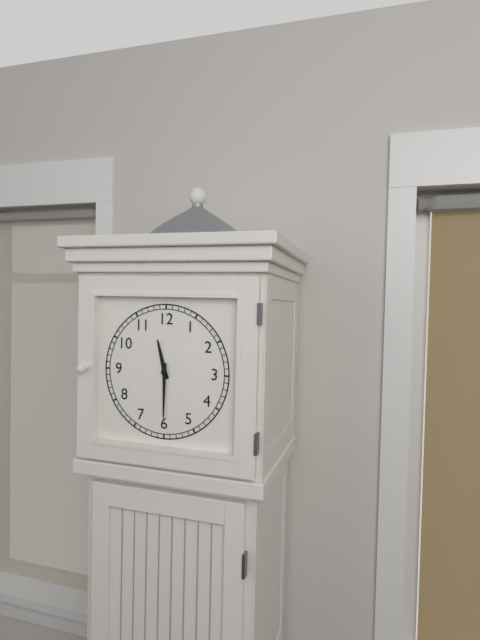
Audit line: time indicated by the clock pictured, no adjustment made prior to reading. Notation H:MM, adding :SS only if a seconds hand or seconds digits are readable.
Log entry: 11:30
